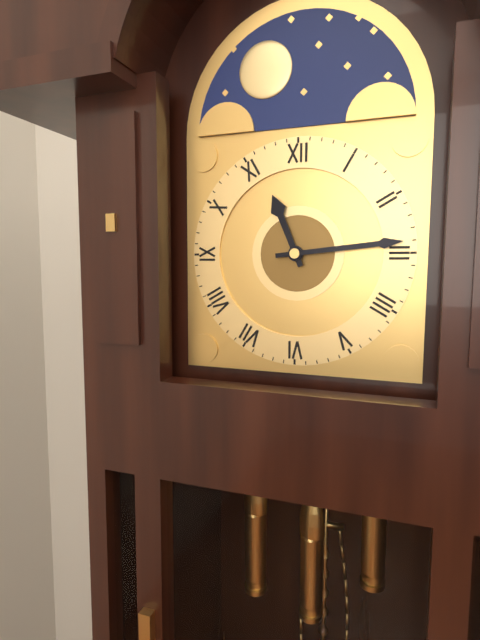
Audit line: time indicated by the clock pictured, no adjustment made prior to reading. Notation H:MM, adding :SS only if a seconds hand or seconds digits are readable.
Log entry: 11:14
